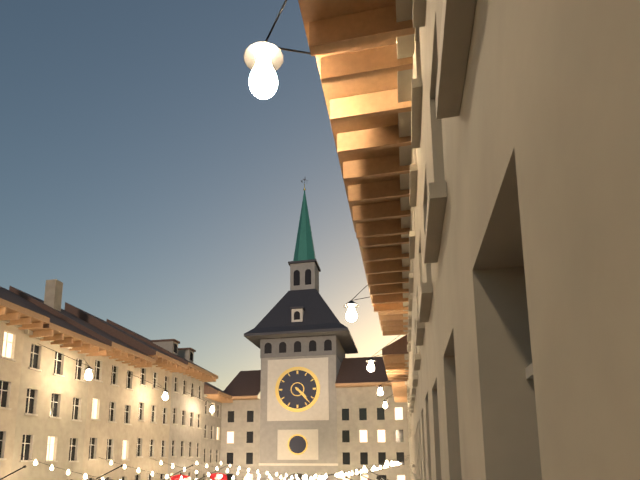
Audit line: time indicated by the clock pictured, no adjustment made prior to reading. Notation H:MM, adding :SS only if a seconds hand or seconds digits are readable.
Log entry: 4:23
